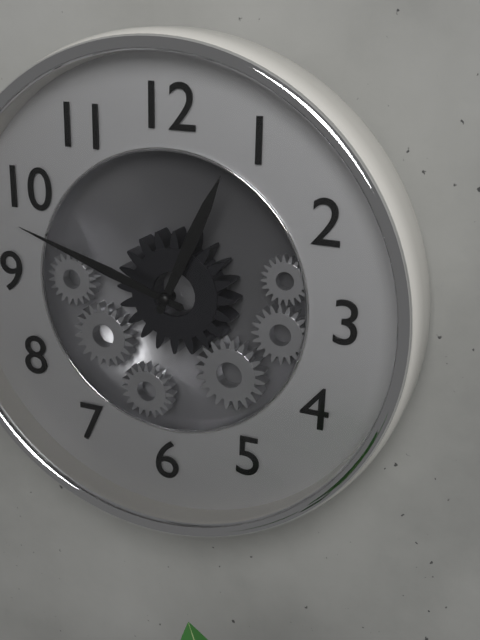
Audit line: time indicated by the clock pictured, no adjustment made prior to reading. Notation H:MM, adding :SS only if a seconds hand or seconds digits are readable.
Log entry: 12:48
